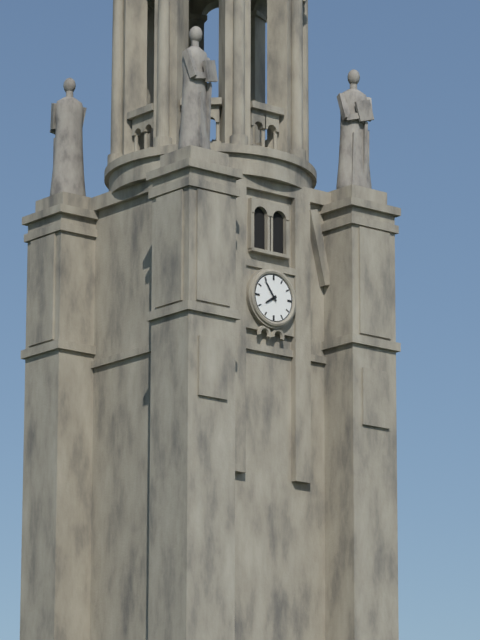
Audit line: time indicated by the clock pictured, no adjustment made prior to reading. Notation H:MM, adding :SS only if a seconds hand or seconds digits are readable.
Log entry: 7:54
